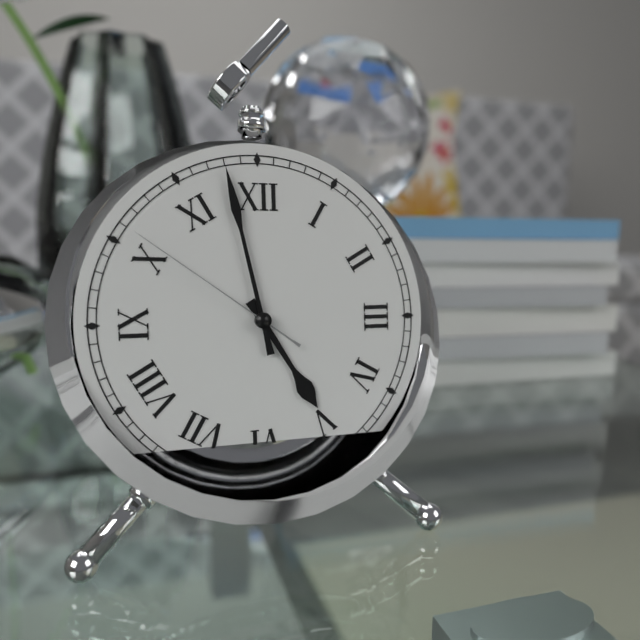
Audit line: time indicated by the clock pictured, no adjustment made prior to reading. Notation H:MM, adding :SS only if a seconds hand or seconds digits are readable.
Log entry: 4:58:51
